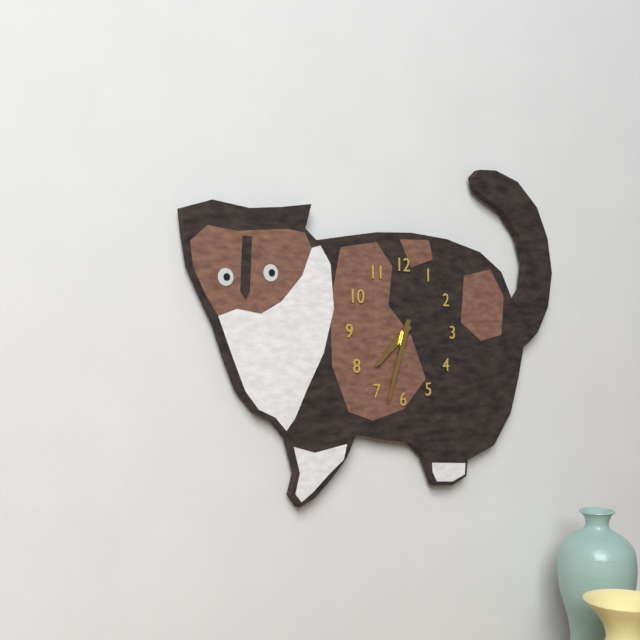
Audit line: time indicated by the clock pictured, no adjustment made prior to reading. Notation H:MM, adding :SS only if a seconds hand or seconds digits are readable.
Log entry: 7:33
